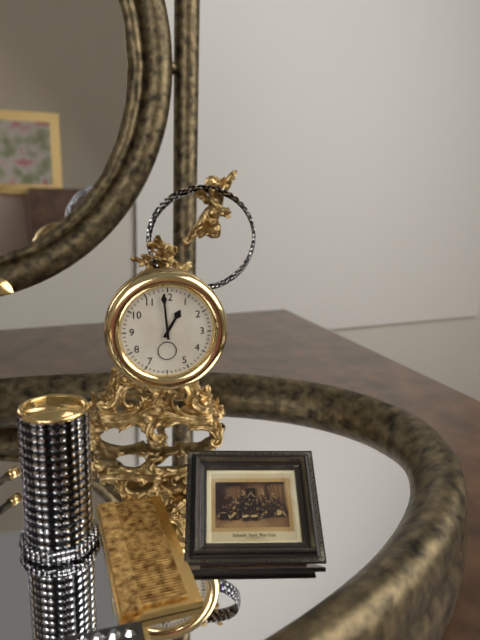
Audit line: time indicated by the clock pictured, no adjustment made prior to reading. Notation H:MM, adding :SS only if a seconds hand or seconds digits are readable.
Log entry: 12:59
